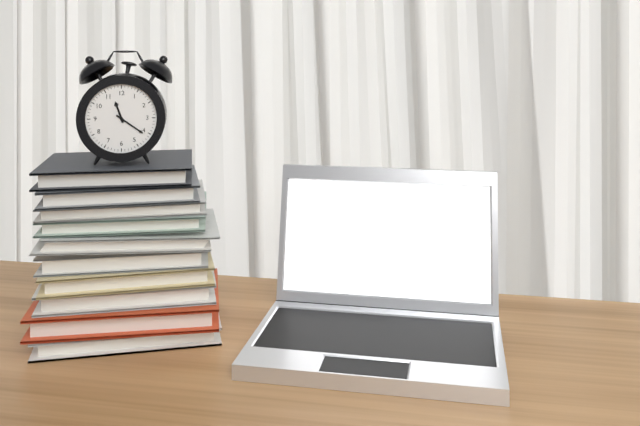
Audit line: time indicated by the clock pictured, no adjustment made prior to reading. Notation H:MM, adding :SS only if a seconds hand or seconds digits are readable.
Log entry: 11:21
